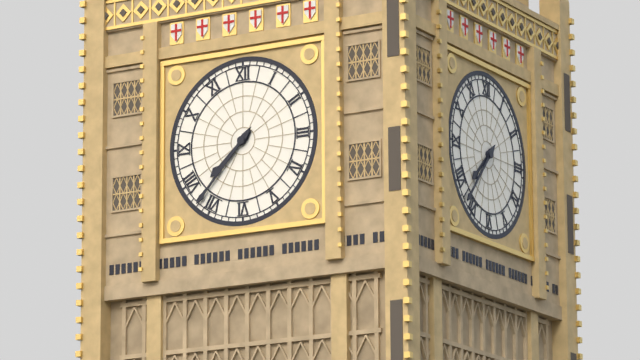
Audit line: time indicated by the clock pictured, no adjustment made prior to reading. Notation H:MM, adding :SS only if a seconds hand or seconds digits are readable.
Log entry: 7:37
